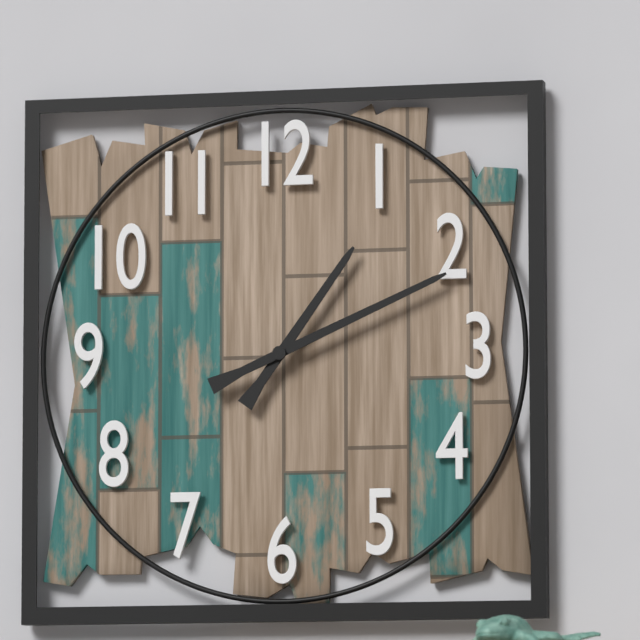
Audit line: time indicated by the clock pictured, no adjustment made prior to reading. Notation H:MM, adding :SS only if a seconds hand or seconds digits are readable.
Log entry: 1:11
